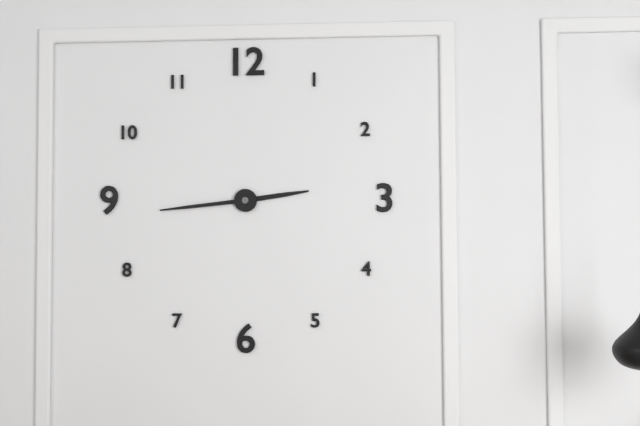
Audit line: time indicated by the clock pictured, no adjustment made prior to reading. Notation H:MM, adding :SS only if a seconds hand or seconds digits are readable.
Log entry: 2:44
